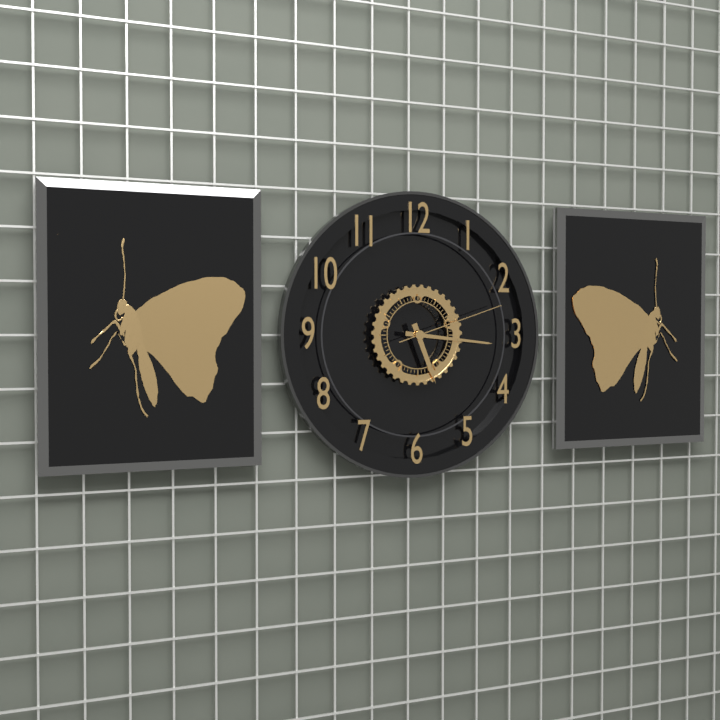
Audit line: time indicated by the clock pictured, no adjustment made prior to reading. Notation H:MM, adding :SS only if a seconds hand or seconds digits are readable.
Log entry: 5:16:12
